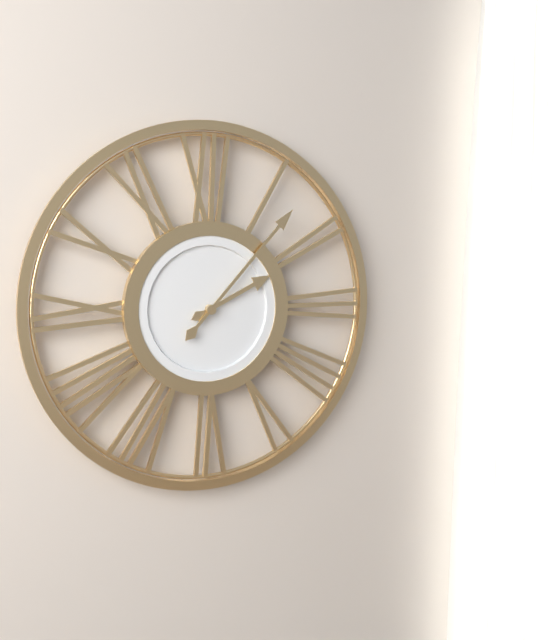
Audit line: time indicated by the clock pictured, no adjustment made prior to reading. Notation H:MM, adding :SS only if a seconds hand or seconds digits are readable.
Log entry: 2:07
